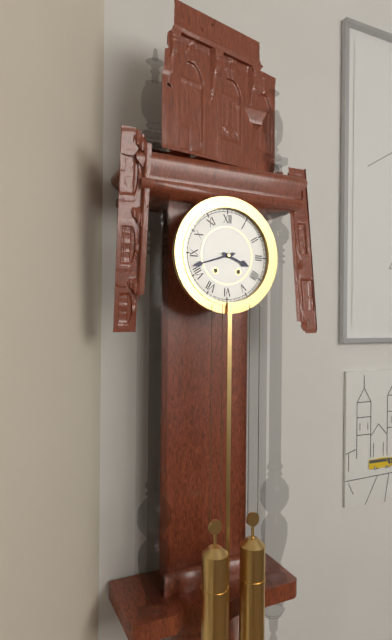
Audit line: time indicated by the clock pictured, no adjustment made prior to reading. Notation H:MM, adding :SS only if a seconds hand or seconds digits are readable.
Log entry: 3:42
